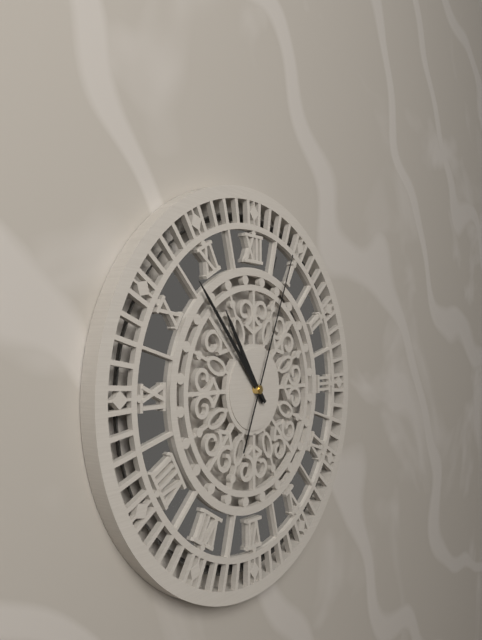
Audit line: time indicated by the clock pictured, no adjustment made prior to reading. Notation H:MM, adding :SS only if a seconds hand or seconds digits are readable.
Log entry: 10:53:04
